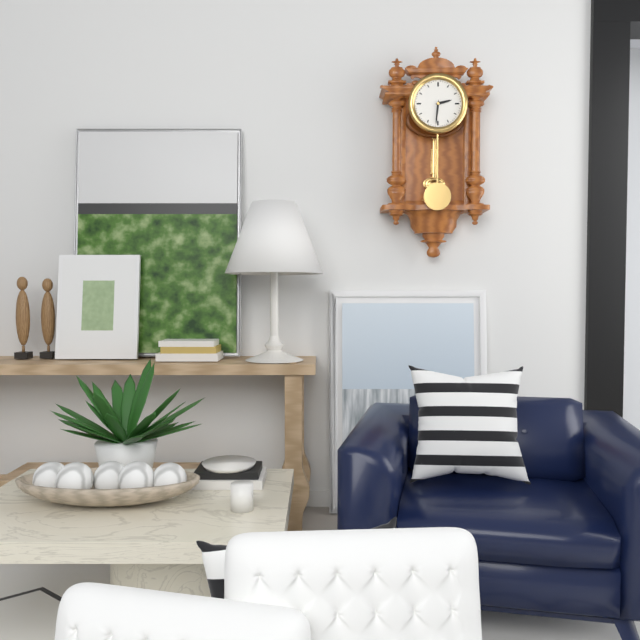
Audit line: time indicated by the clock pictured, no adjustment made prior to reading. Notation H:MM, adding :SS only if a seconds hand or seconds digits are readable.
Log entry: 2:31
